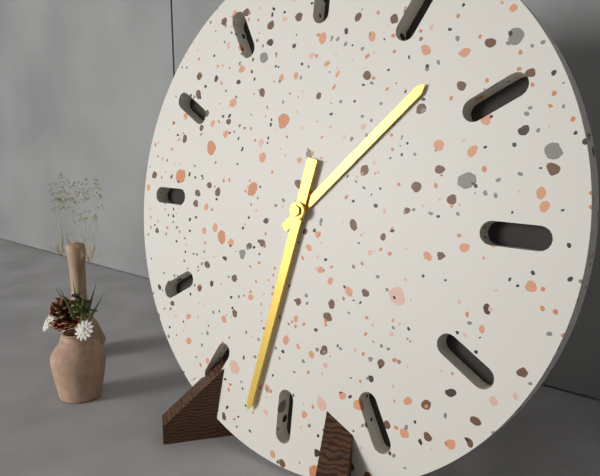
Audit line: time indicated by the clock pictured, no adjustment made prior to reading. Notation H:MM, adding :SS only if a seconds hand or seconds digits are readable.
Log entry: 1:32
